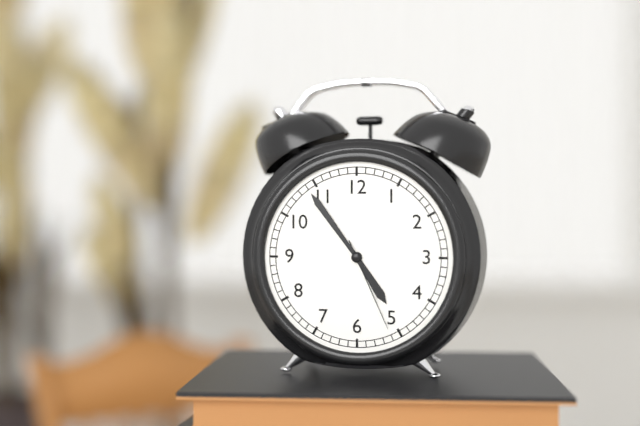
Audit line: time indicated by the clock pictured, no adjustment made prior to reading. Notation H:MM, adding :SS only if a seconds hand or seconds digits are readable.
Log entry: 4:54:26
